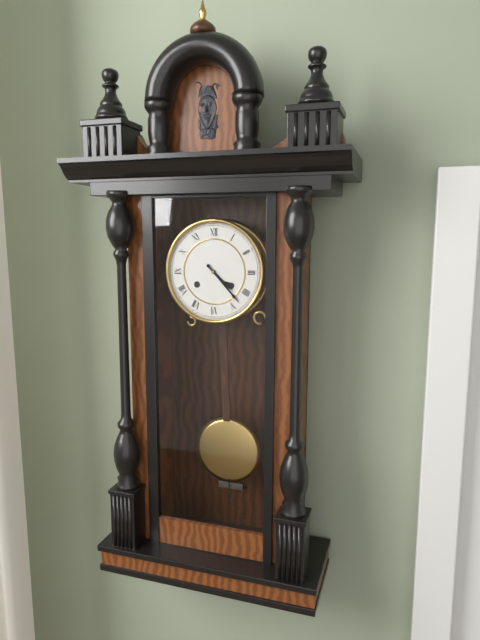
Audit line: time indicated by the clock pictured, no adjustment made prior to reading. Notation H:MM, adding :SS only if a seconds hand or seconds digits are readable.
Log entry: 4:23
